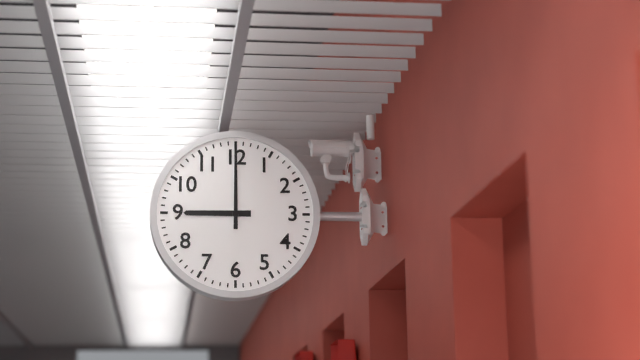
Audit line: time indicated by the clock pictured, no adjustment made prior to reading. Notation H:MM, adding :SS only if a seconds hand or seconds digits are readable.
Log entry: 9:00
